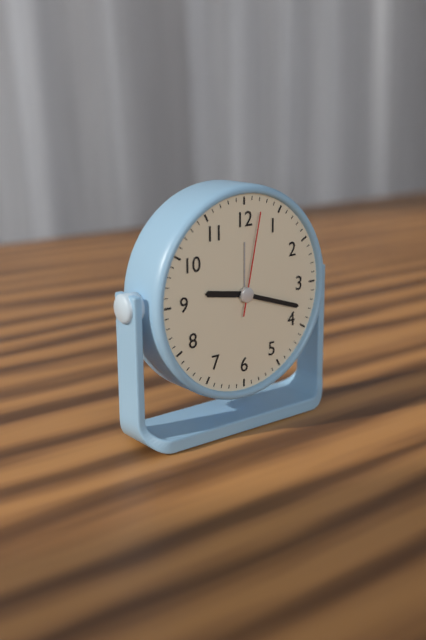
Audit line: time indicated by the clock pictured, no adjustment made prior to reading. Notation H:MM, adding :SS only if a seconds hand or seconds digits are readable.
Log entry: 9:18:02
